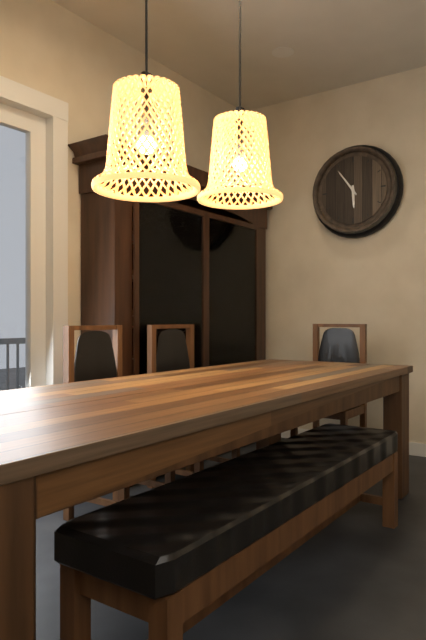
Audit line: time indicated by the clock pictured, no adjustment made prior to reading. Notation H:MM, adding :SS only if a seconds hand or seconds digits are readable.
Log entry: 5:54
